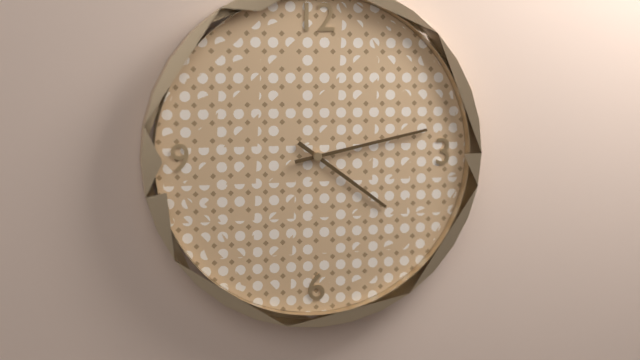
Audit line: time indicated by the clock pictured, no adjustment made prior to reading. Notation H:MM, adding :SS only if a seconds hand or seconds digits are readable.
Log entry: 4:13
